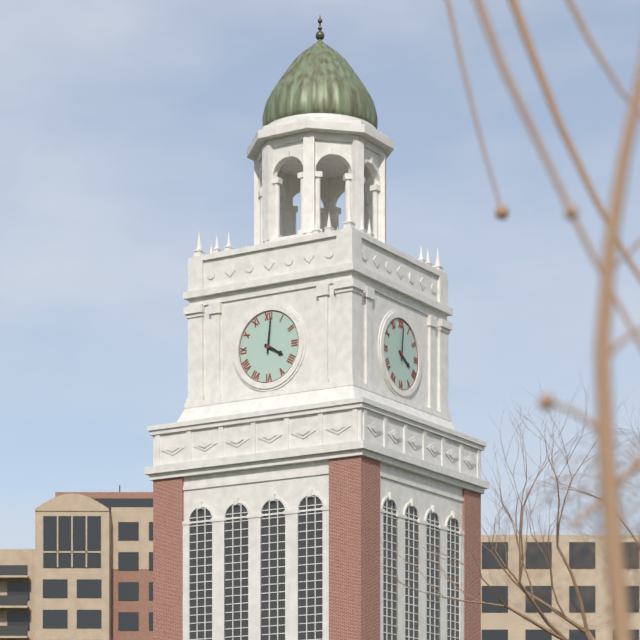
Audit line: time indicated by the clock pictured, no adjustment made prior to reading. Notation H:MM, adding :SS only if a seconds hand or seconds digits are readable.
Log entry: 4:01
